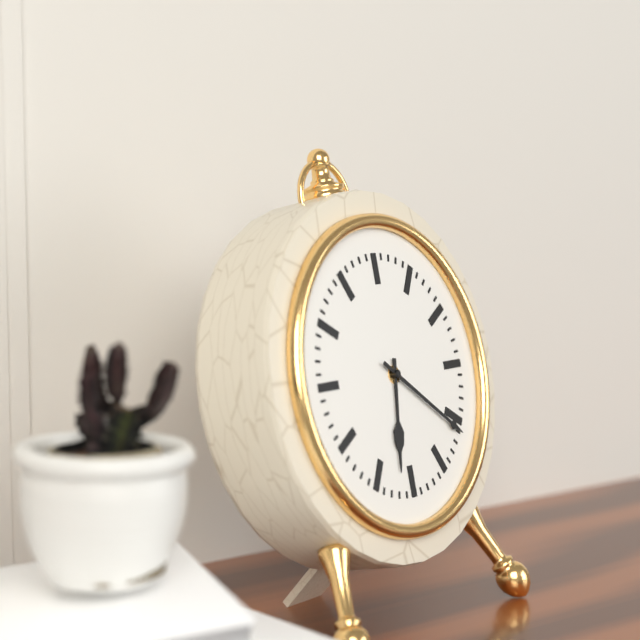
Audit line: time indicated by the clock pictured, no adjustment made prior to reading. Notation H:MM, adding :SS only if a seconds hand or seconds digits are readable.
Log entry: 6:21
